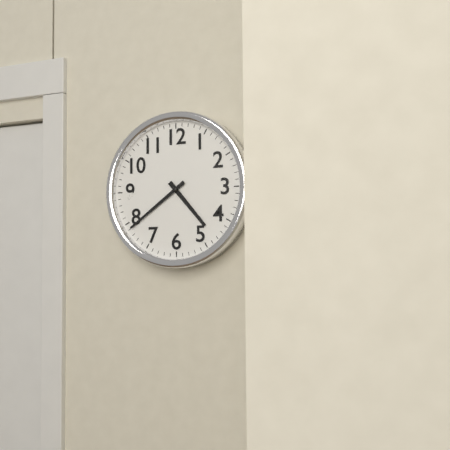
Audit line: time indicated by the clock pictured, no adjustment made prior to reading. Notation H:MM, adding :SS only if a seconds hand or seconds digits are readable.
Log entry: 4:39
